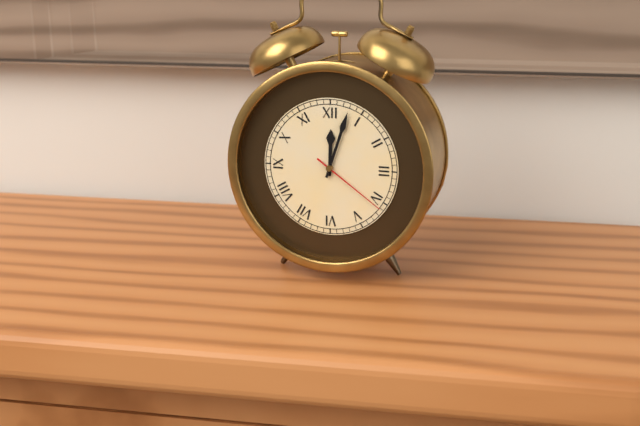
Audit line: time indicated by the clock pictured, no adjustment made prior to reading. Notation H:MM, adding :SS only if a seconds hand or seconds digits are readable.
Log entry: 12:03:21
